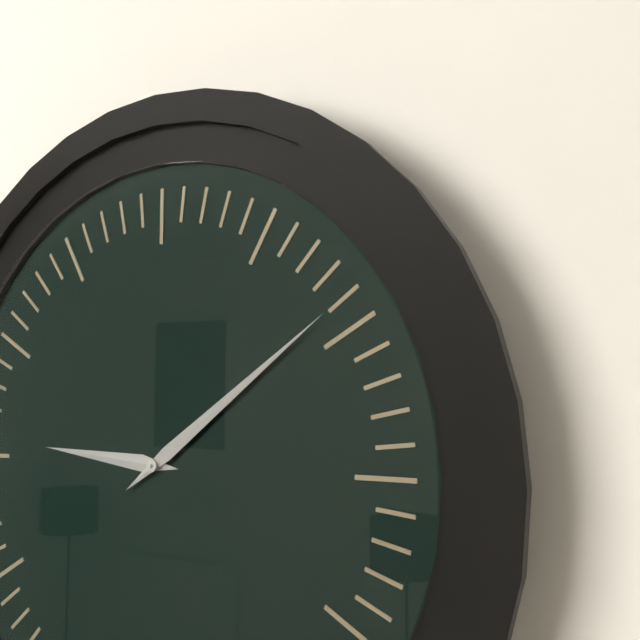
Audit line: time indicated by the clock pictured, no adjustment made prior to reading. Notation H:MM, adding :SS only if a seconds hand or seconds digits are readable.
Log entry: 9:09
